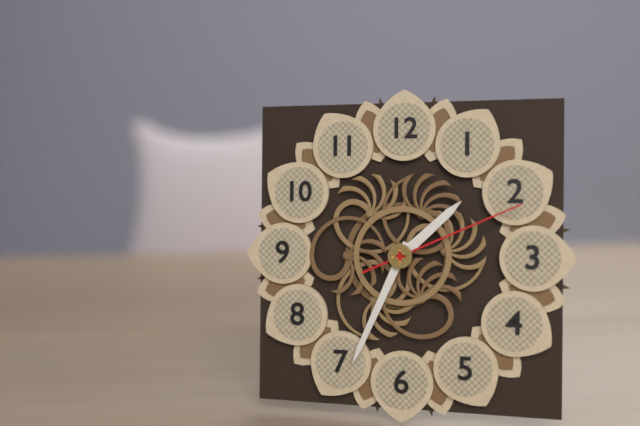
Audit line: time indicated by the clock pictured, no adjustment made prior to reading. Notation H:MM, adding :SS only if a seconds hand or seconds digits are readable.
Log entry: 1:34:11
